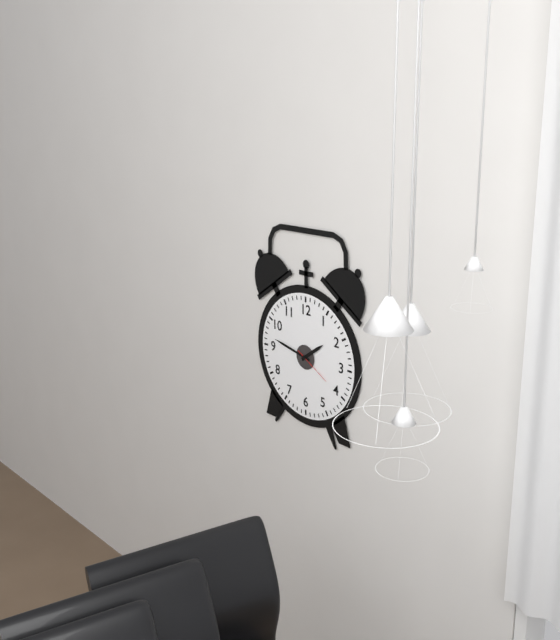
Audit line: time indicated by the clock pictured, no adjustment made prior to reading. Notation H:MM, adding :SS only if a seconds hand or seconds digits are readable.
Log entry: 1:47
